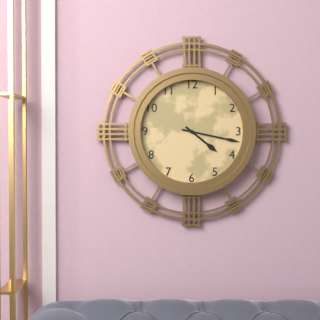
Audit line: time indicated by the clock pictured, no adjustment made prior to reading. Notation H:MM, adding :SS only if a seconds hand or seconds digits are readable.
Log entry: 4:17
